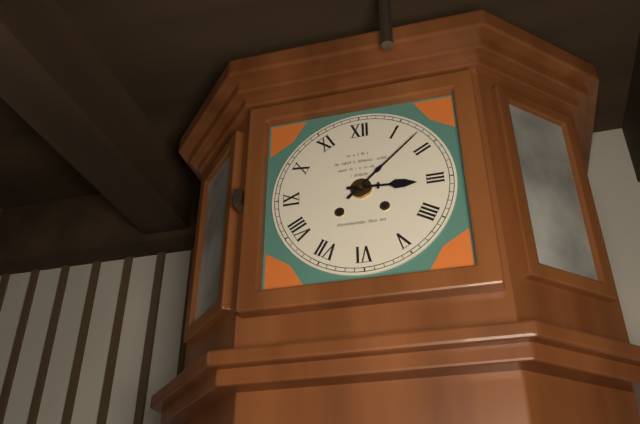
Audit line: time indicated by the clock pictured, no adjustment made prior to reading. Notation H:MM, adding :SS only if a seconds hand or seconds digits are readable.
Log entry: 3:08
